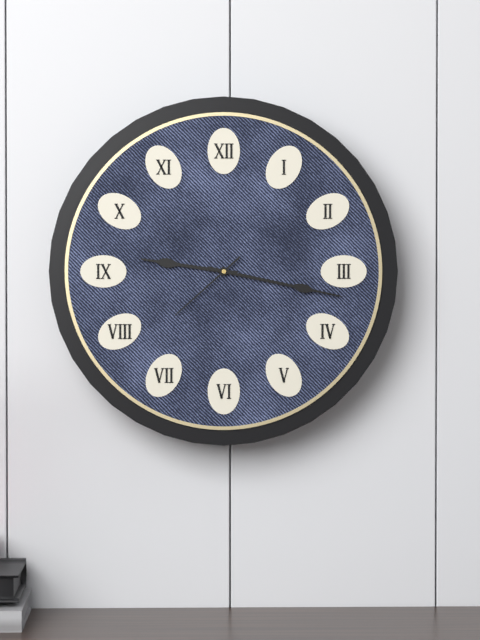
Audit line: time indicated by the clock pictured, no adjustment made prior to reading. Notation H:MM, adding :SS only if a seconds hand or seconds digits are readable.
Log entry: 9:17:38
